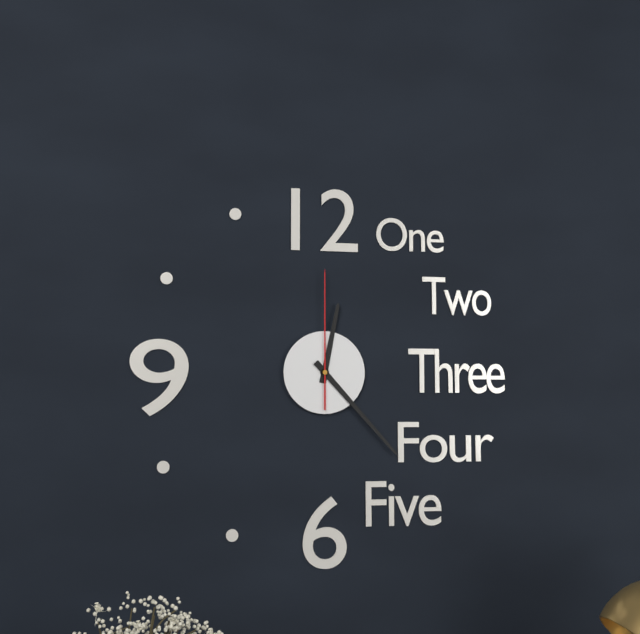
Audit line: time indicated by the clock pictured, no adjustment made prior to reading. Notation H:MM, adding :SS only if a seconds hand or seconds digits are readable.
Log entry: 12:23:00
